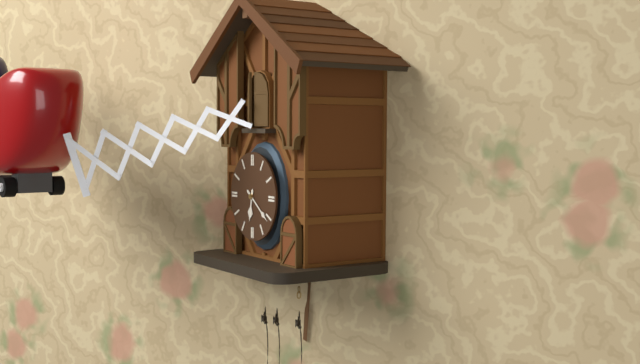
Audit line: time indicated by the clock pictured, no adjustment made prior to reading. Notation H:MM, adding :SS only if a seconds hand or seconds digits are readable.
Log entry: 6:21
